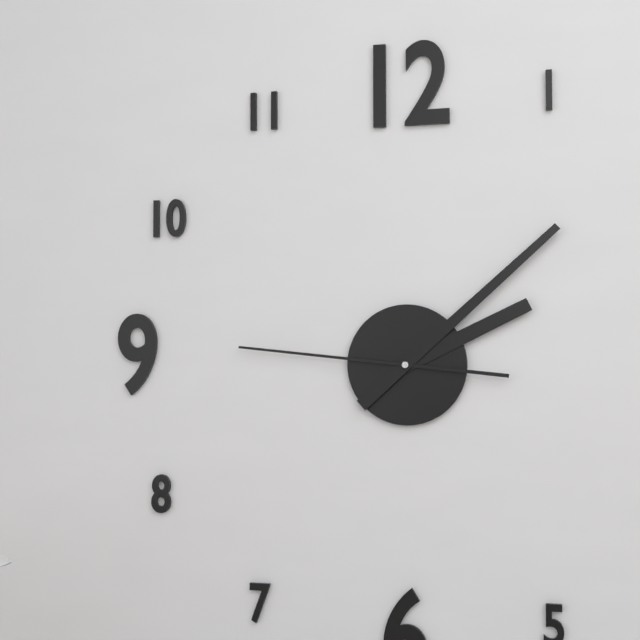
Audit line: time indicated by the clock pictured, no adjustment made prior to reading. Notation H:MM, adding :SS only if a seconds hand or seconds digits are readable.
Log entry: 2:08:46
